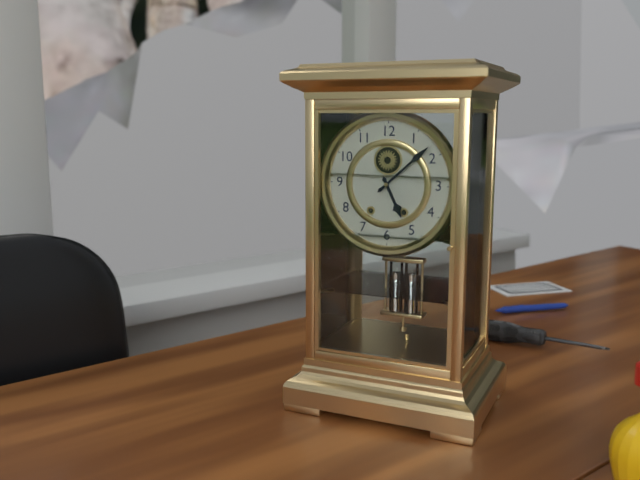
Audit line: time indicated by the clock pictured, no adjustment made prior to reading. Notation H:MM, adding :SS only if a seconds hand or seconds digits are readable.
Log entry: 5:08
